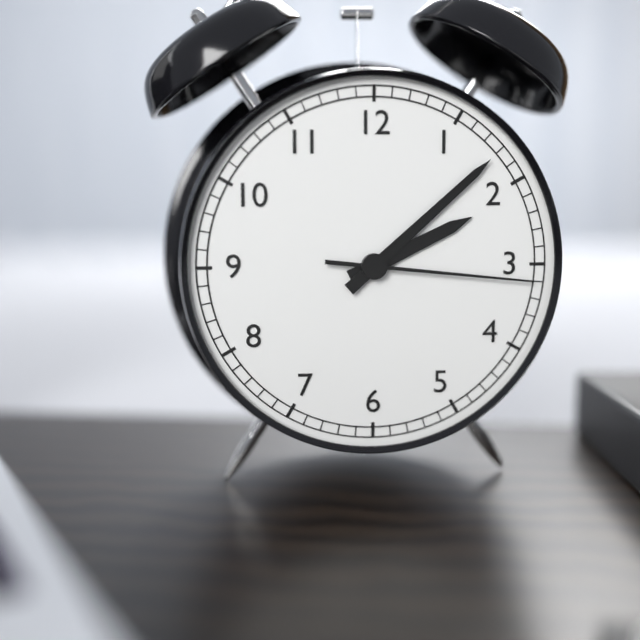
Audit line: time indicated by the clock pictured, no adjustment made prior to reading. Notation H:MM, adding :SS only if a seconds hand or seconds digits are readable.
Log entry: 2:08:16
